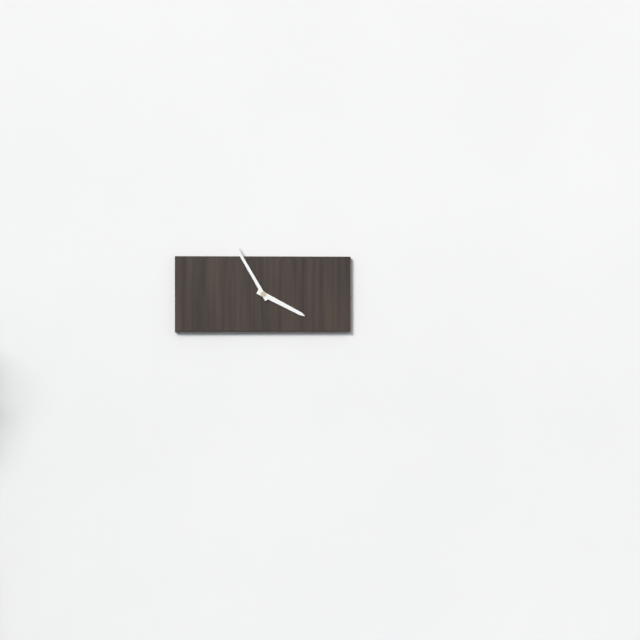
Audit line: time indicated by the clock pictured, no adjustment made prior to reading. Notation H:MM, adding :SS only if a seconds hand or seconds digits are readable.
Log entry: 3:55
